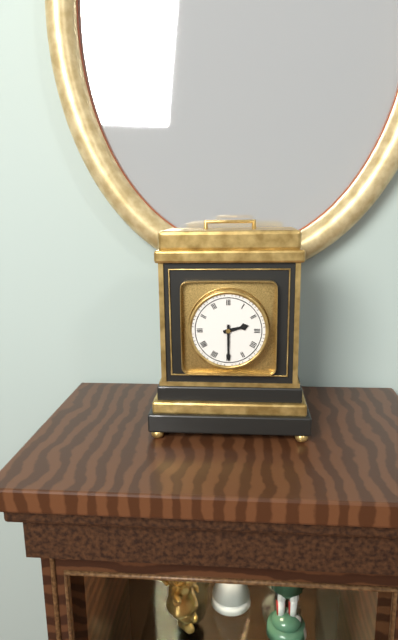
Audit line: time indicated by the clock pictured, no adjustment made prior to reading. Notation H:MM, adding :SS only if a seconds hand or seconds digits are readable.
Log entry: 2:30
